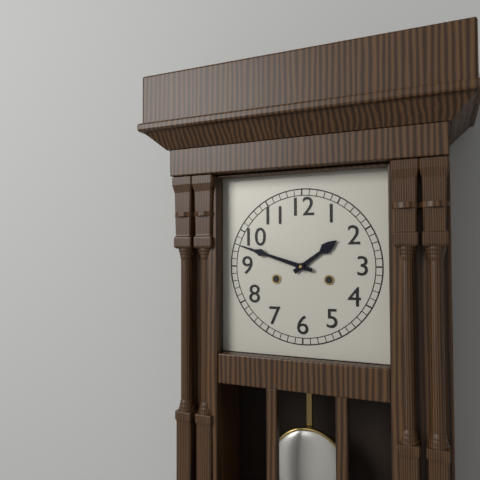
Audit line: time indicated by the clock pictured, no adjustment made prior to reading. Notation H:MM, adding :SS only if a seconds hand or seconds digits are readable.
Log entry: 1:48
